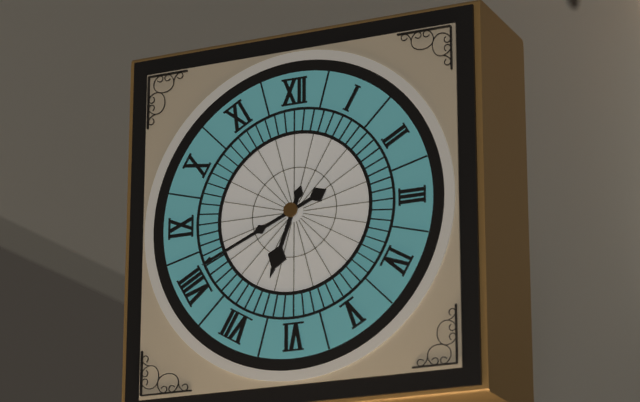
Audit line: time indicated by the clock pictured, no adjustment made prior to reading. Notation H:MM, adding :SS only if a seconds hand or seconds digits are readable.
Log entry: 6:41
